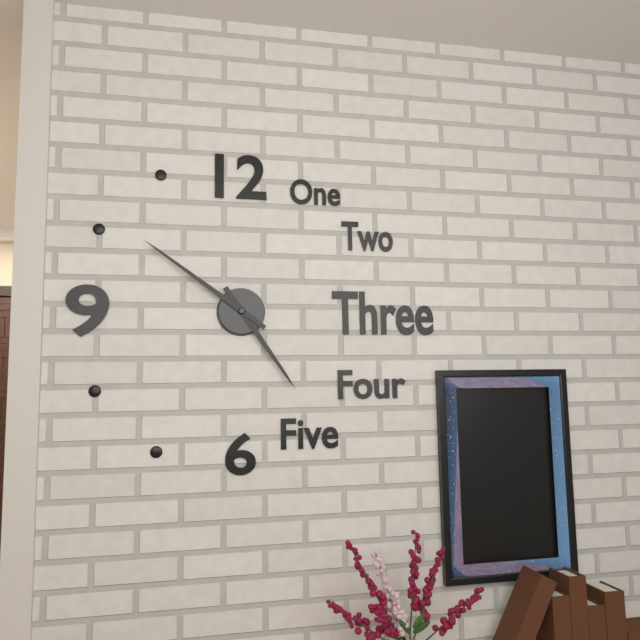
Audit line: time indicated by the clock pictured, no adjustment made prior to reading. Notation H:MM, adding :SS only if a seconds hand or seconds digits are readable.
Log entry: 4:51
